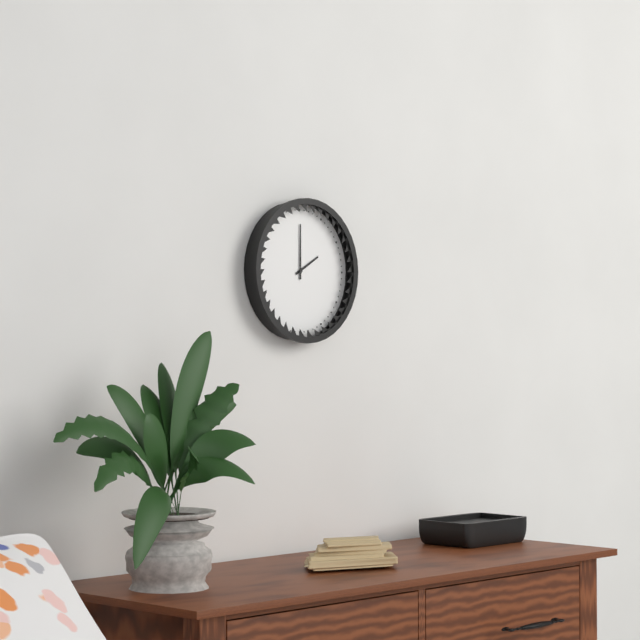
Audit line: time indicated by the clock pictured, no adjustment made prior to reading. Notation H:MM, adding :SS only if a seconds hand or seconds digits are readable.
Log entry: 2:00
